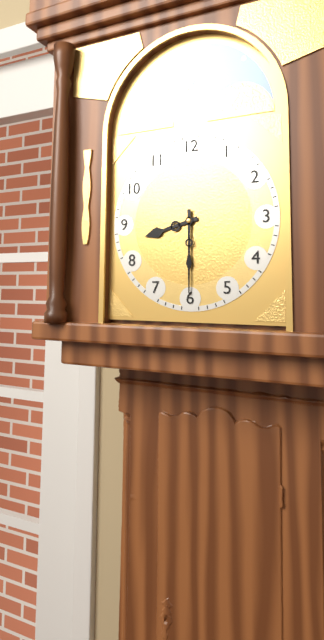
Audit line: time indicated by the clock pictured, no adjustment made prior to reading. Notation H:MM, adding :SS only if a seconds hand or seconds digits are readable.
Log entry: 8:30
